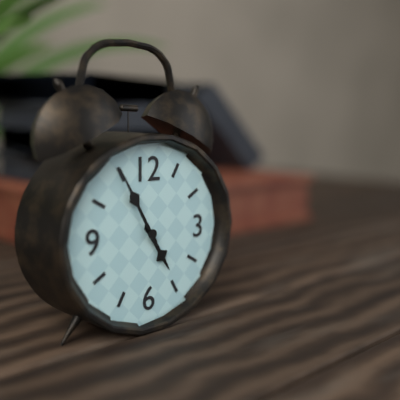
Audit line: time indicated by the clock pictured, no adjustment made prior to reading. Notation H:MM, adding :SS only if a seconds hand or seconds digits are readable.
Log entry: 4:55
